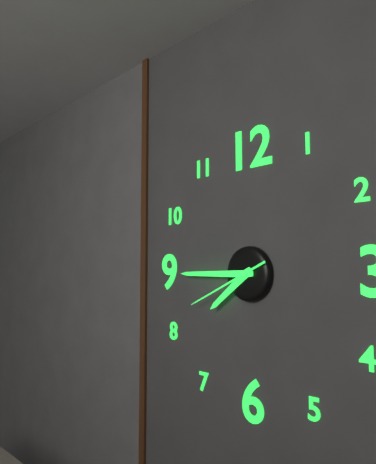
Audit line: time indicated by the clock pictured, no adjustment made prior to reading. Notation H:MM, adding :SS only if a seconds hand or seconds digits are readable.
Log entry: 7:45:41
